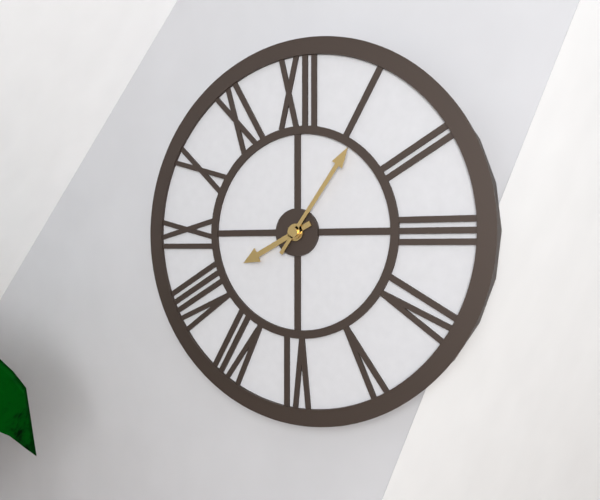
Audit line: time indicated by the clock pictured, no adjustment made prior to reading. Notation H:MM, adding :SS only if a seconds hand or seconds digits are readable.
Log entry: 8:06
